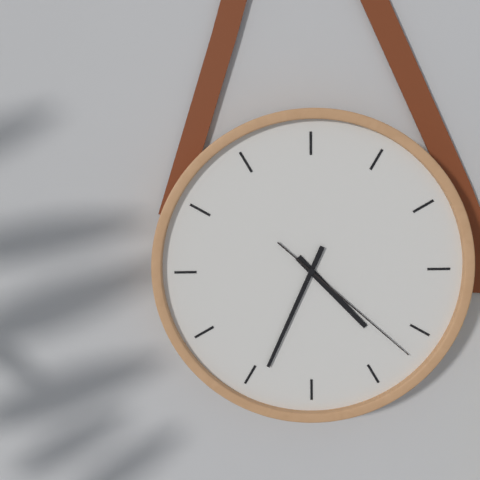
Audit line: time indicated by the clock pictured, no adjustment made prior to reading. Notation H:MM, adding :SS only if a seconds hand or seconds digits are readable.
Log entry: 4:34:22
